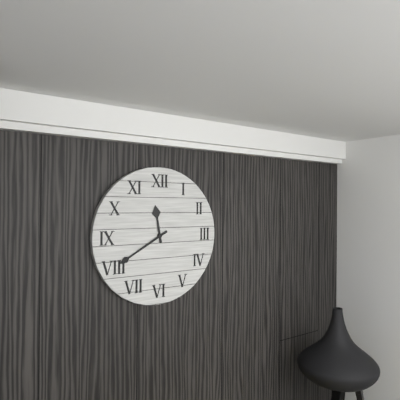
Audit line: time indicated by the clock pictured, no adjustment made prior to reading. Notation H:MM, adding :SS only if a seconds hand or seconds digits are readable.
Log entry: 11:40
